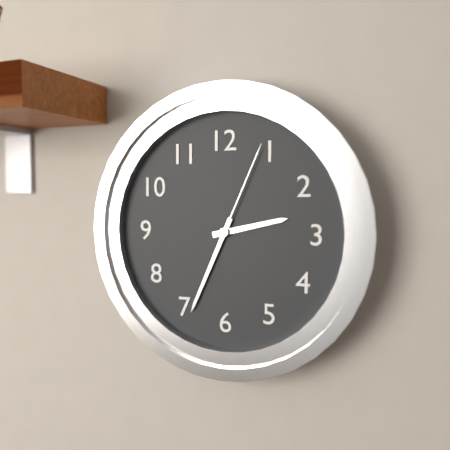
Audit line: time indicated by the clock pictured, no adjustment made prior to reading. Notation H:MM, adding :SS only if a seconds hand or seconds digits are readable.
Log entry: 2:34:04
